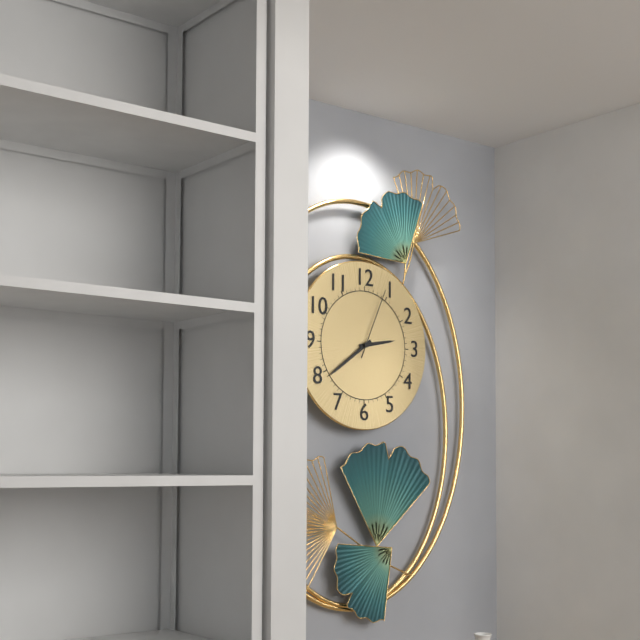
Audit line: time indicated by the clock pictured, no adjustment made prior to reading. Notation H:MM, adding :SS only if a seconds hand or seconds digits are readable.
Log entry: 2:39:04
